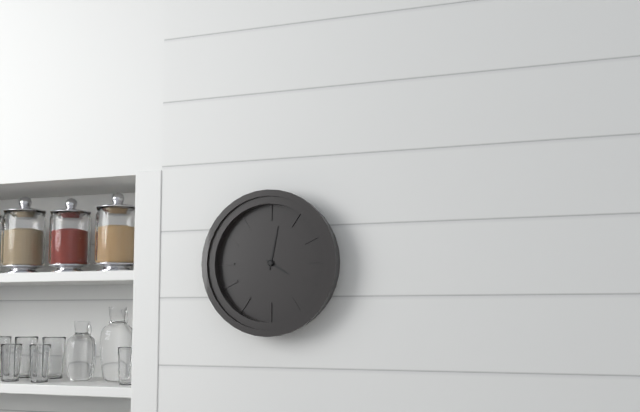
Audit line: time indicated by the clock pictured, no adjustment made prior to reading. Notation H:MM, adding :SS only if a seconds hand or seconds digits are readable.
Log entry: 4:02
